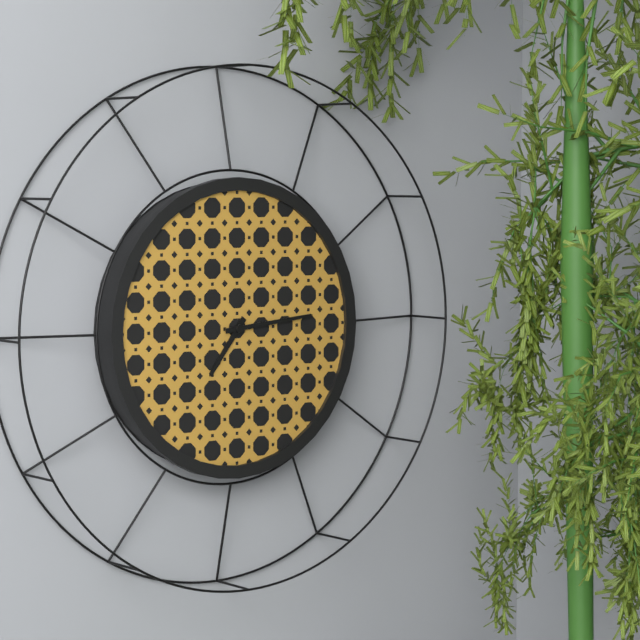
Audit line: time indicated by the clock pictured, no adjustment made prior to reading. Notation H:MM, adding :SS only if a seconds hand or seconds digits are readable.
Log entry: 7:14
